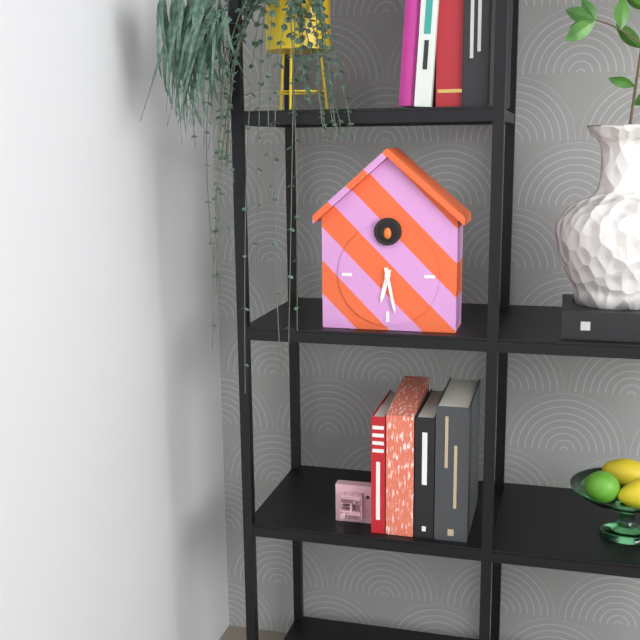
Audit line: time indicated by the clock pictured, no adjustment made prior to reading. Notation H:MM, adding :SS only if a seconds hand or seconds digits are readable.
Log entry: 6:28
